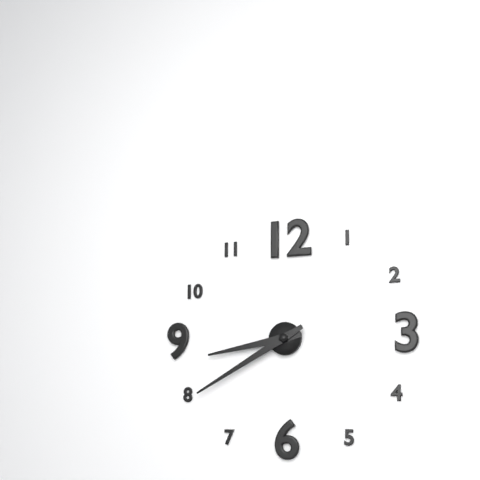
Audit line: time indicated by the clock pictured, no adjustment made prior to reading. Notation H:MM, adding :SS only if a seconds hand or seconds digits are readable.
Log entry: 8:40
